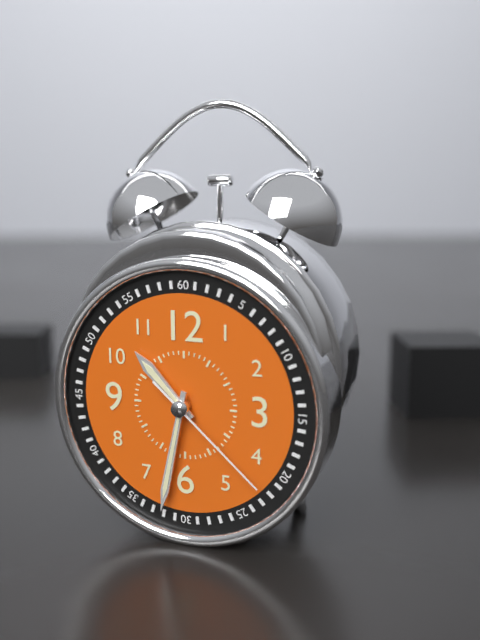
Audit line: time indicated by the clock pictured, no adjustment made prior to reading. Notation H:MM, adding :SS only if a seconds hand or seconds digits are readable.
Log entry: 10:32:22
